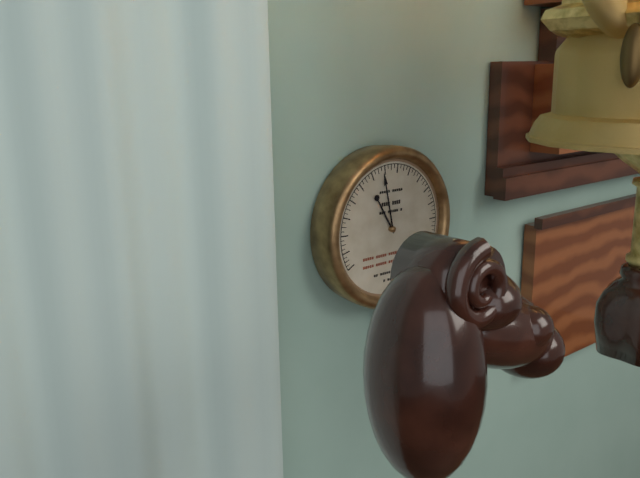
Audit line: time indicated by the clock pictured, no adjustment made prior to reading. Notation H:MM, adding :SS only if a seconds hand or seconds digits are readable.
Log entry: 10:58
